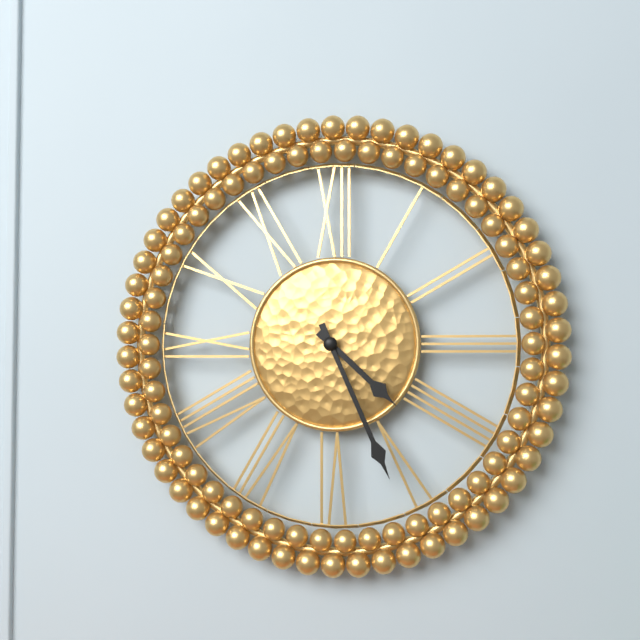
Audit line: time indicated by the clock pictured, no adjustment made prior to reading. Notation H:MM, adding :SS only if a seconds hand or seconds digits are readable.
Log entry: 4:26
